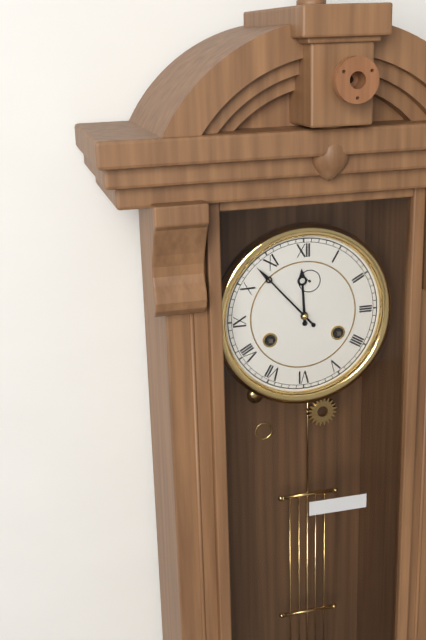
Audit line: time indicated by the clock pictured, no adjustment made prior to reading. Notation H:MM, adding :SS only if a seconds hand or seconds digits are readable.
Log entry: 11:53
